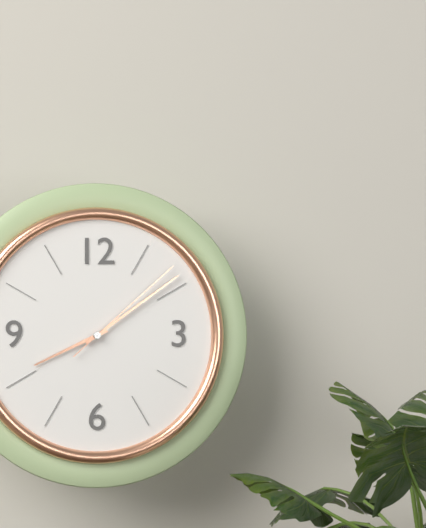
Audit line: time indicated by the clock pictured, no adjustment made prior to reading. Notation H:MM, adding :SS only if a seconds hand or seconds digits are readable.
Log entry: 8:09:08
